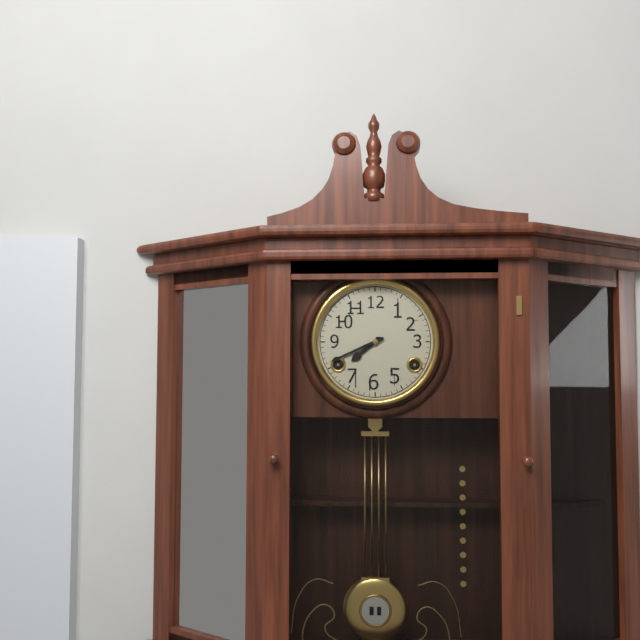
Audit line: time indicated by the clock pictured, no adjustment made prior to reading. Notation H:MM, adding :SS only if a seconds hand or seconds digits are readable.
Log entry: 7:41
